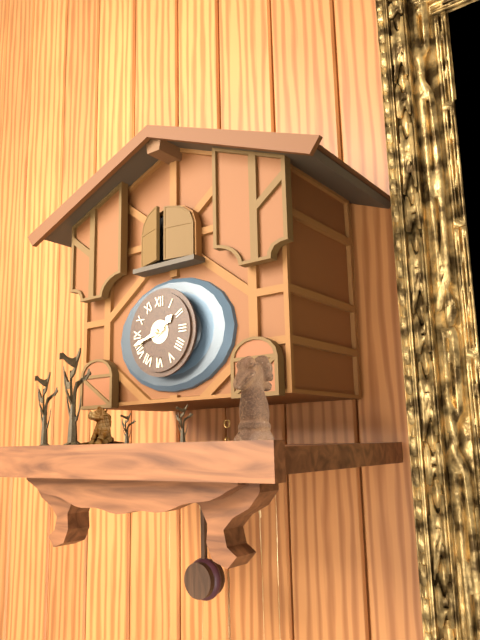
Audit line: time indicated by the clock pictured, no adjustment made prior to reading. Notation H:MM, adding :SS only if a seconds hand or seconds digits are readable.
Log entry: 1:42
